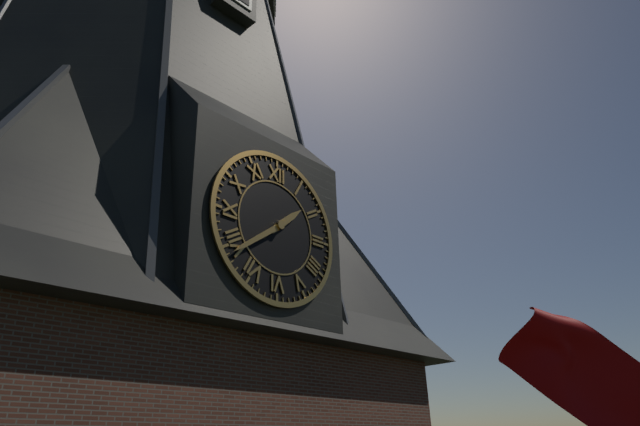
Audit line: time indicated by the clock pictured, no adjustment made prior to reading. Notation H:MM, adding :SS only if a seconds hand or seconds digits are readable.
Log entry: 1:39
